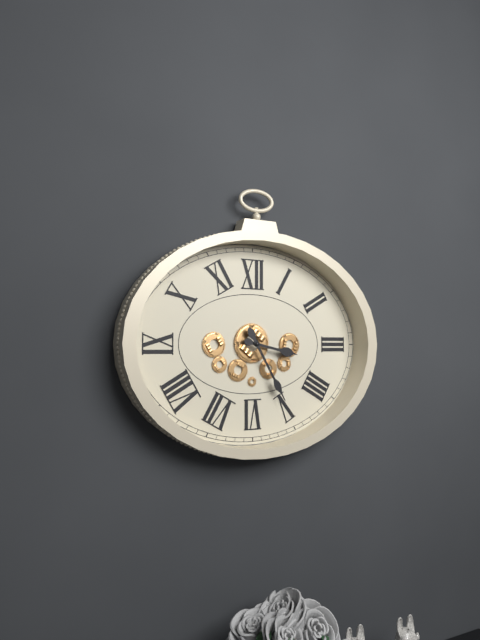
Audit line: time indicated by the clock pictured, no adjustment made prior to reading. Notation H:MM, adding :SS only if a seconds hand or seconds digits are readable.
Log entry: 3:25
